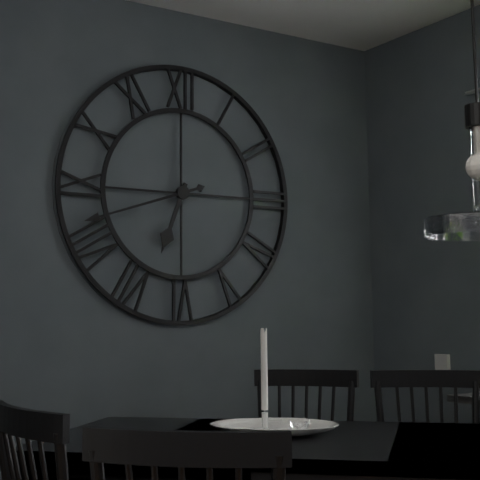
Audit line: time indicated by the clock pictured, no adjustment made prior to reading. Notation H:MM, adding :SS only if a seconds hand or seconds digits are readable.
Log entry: 6:42
